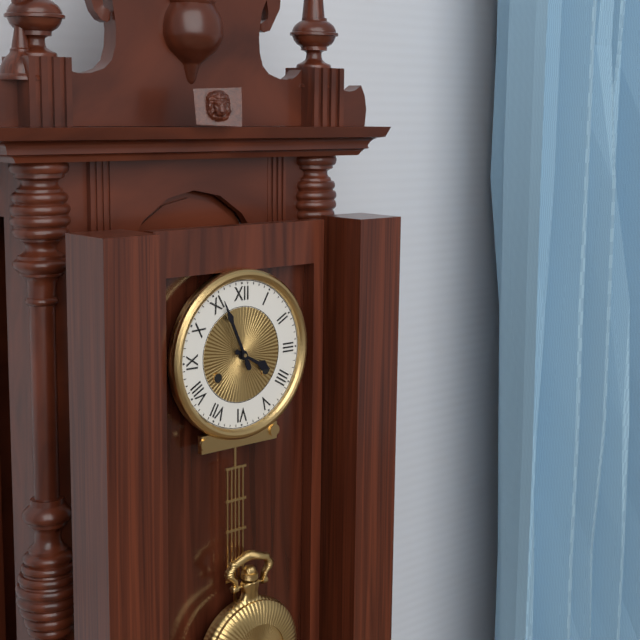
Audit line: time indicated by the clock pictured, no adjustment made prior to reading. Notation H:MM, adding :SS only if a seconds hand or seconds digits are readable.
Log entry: 3:56
